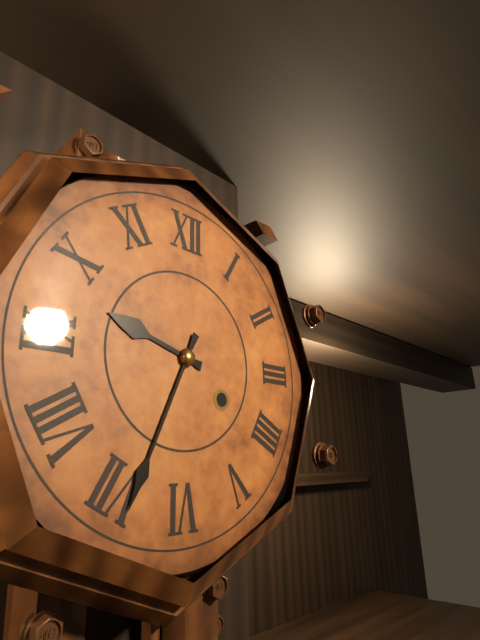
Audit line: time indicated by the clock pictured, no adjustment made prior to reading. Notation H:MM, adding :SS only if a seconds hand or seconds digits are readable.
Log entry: 9:34
